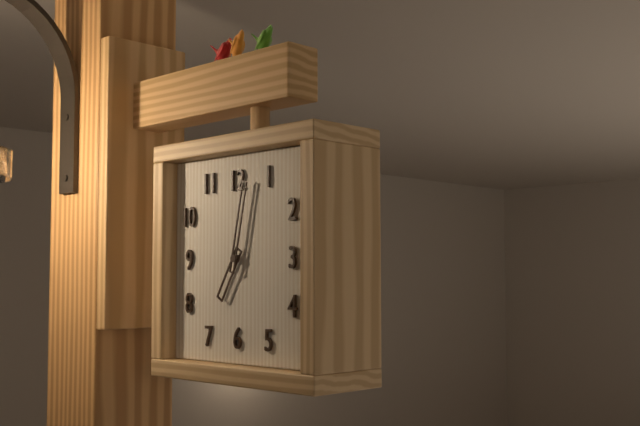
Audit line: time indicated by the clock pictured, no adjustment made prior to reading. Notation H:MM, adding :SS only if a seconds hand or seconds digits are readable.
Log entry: 7:02
